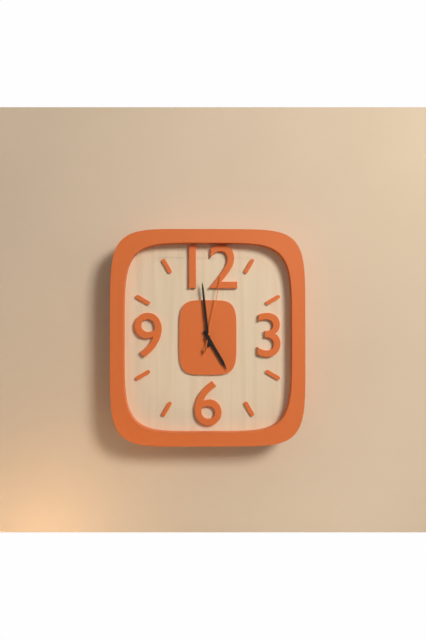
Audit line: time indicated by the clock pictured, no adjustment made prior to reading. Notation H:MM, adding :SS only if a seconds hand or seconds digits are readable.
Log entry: 4:59:02
